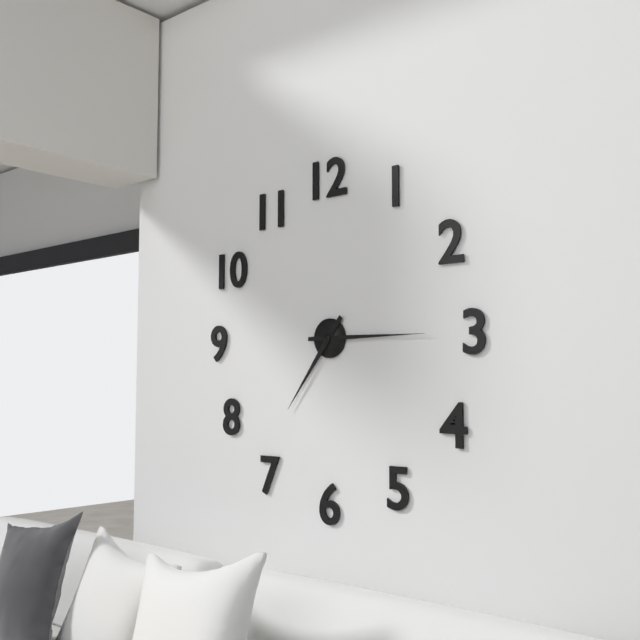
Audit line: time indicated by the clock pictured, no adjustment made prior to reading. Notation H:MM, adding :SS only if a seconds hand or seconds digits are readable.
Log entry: 7:15
